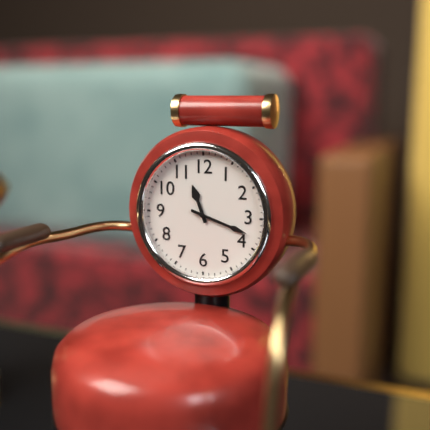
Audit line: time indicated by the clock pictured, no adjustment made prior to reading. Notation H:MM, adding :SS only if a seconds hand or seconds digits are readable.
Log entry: 11:18
